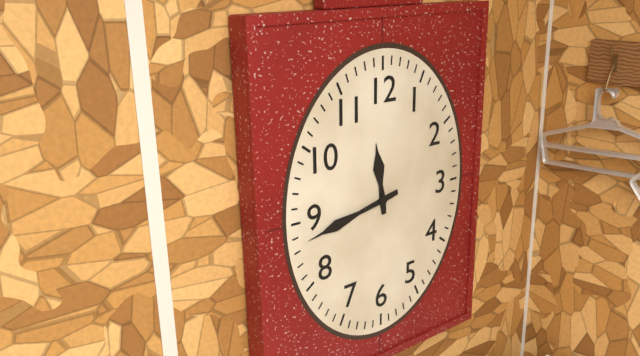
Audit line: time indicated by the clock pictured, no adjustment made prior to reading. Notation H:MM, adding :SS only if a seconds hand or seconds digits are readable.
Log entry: 11:43
